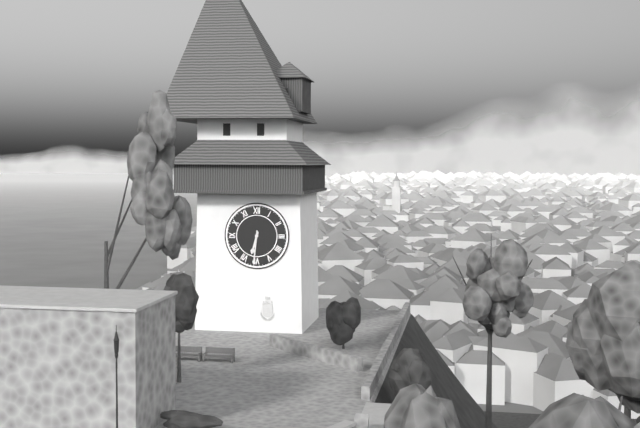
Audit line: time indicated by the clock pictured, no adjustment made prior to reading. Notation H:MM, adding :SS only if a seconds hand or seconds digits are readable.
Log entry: 6:31
